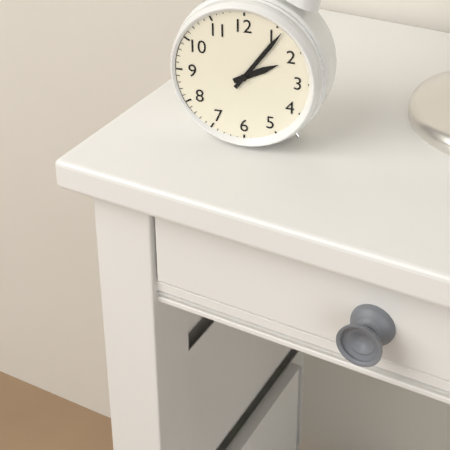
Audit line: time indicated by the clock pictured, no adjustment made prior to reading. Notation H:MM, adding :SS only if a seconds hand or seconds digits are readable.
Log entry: 2:06
